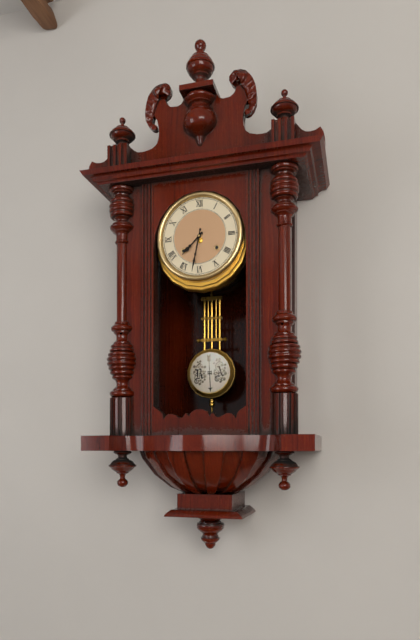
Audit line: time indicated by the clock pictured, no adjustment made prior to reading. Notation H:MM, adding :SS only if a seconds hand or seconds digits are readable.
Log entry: 7:32
